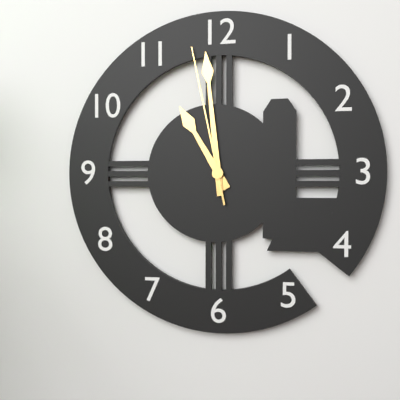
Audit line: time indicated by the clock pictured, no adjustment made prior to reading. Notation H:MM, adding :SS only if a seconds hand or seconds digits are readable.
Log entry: 10:59:58
